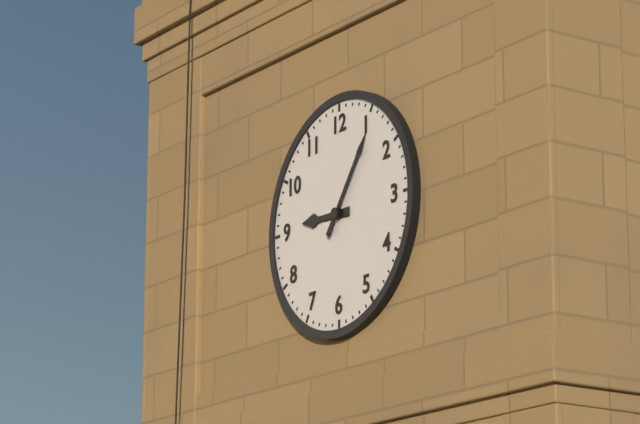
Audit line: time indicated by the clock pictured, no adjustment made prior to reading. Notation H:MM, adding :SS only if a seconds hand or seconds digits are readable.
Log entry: 9:06
